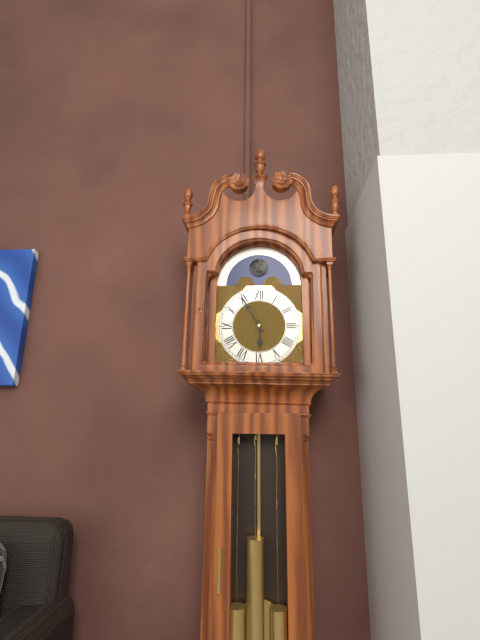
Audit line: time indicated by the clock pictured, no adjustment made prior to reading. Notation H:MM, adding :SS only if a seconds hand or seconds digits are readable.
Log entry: 5:55
